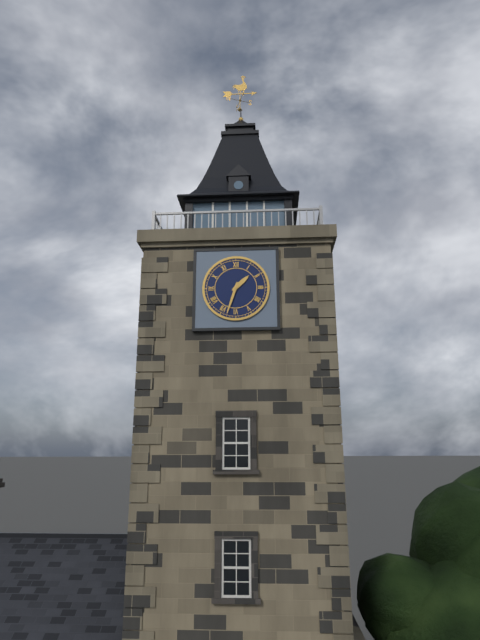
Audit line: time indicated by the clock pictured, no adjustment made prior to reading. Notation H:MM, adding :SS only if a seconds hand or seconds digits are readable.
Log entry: 1:33
